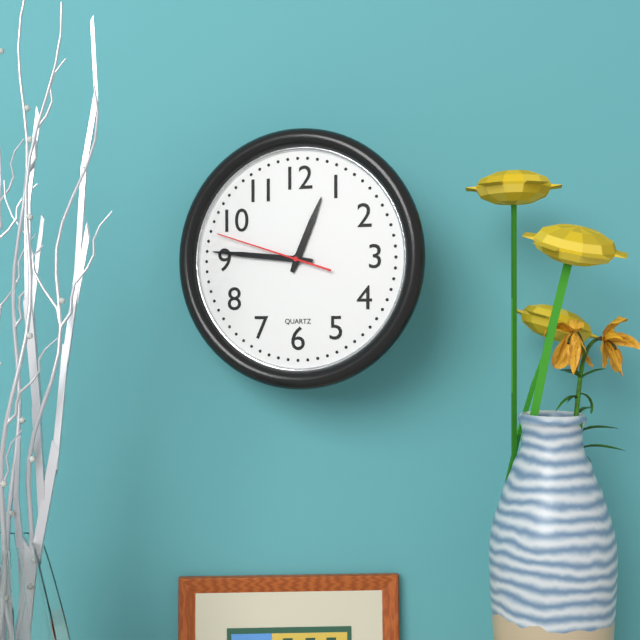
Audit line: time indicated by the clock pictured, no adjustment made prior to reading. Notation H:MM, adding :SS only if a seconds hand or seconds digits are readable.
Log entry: 12:46:48
